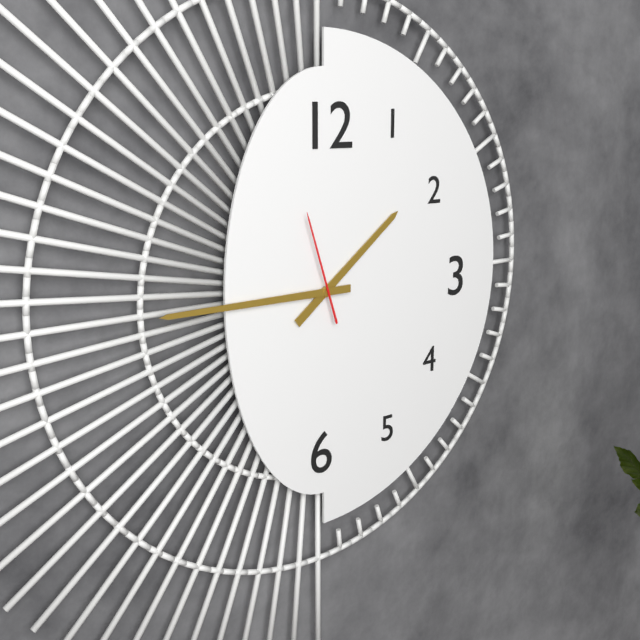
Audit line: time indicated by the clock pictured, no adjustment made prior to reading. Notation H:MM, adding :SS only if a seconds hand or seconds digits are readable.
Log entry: 1:45:57
